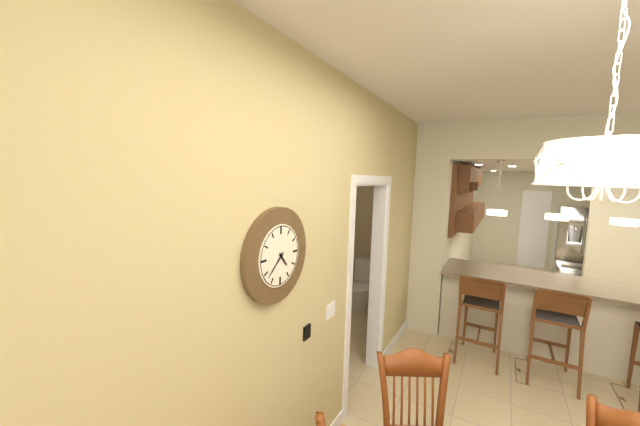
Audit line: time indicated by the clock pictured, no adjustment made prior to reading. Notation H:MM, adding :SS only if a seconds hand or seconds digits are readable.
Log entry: 4:38
